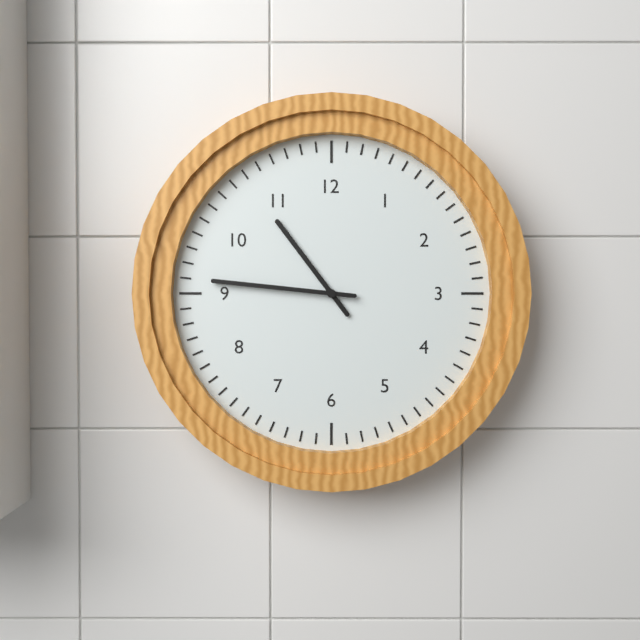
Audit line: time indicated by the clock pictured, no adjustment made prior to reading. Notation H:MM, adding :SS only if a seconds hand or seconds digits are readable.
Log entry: 10:46
